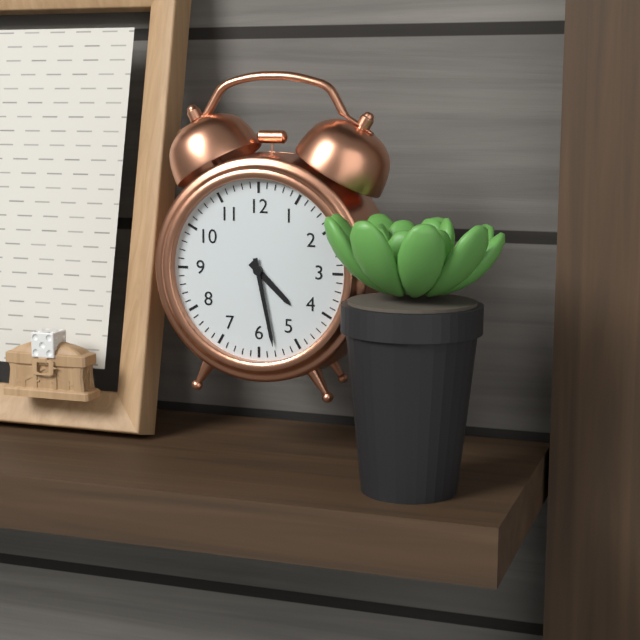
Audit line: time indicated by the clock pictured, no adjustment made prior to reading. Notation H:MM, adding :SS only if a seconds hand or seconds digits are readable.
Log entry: 4:28
